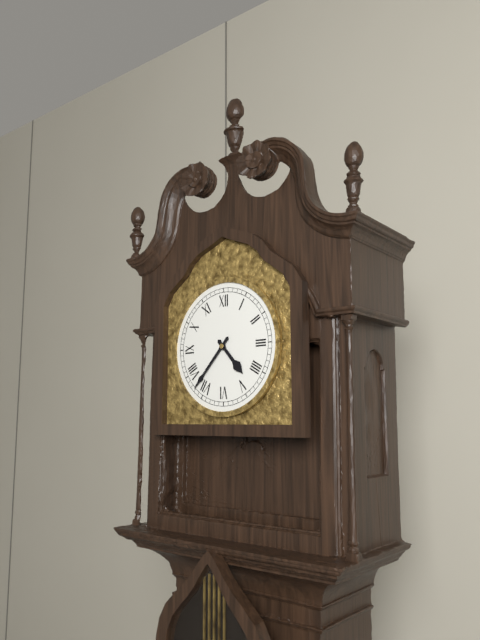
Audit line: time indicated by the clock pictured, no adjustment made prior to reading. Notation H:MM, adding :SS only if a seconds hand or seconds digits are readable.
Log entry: 4:37
